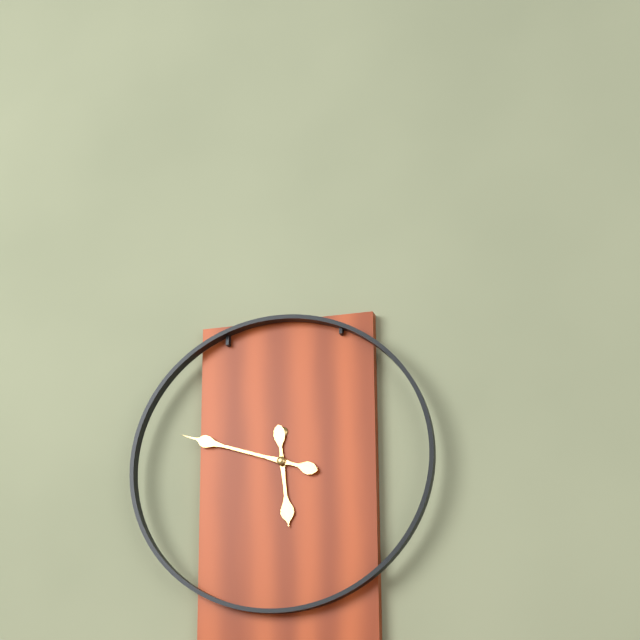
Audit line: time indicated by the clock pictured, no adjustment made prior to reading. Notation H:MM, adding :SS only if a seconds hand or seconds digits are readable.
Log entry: 5:48
